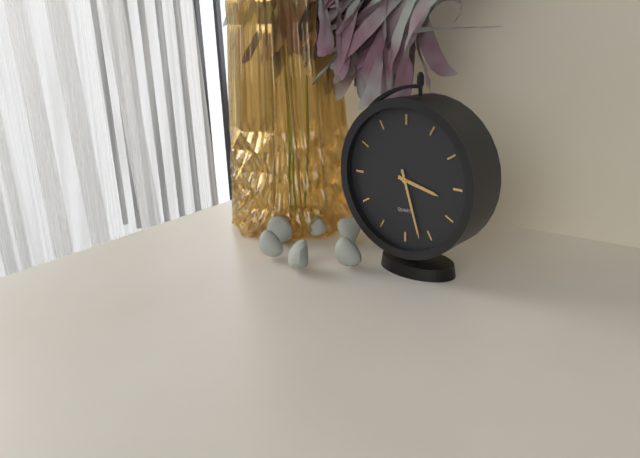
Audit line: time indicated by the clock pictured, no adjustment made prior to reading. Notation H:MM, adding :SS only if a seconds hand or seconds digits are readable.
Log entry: 3:27
